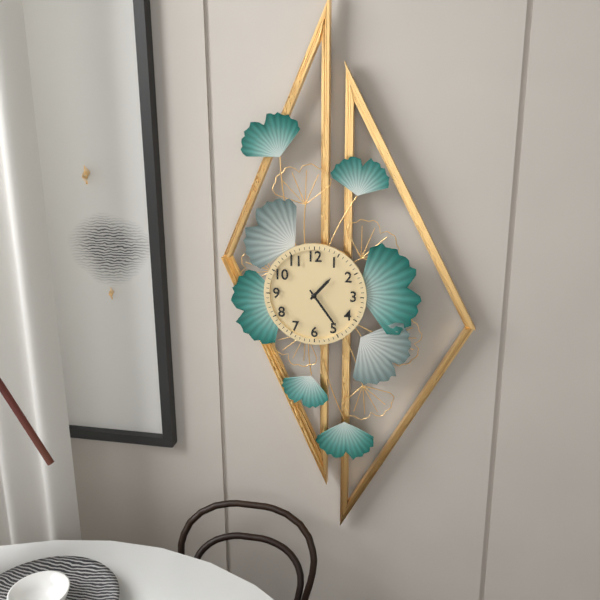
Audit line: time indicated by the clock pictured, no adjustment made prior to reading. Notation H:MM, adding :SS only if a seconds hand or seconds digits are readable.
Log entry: 1:24
